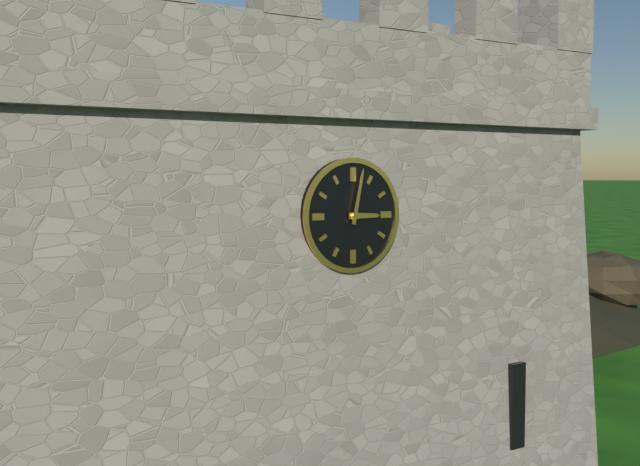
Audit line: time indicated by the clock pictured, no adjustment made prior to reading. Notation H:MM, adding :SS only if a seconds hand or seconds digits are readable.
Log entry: 3:02
